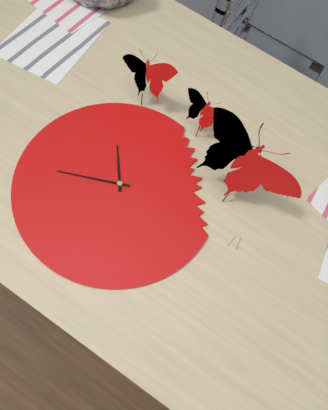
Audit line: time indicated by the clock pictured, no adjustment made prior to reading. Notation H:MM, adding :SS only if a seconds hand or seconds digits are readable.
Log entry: 10:41
